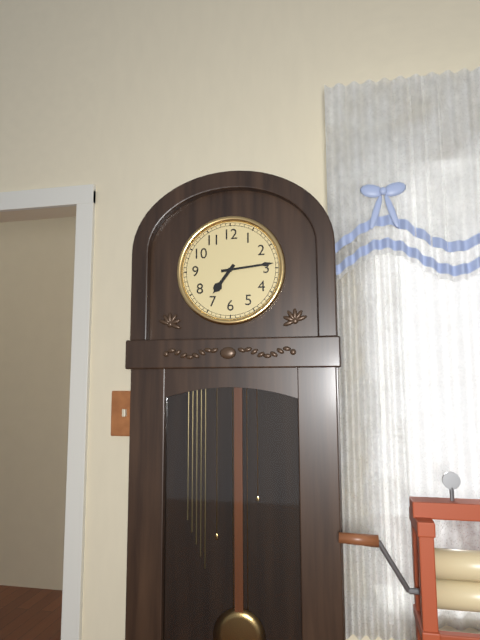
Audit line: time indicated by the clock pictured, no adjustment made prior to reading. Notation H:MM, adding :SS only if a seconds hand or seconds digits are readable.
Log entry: 7:14
